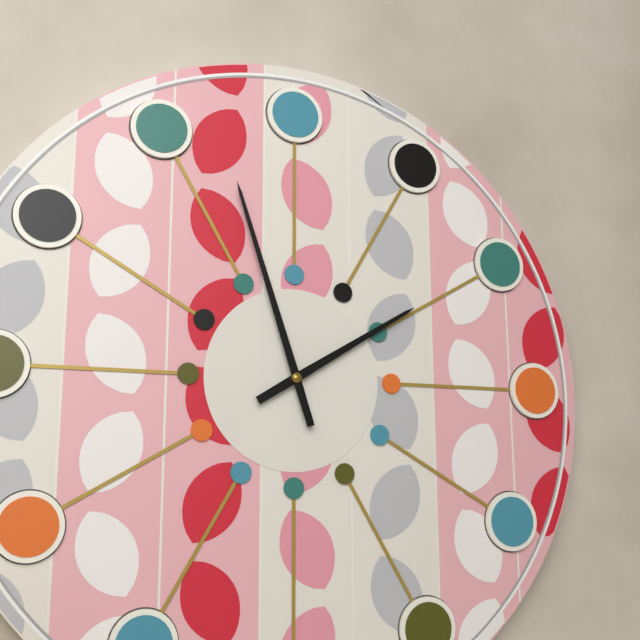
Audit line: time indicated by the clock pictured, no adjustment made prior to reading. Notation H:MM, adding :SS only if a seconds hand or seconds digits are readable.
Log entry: 1:57
